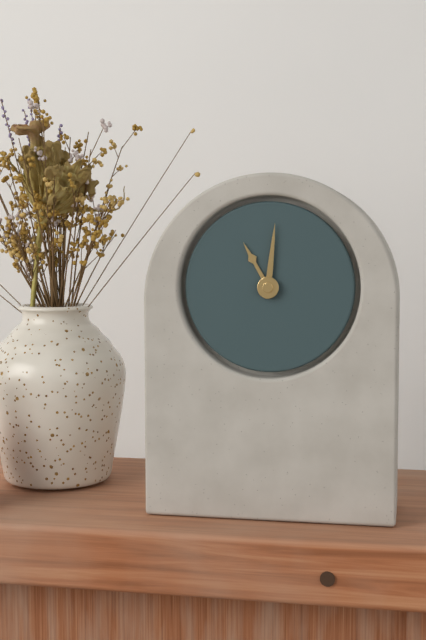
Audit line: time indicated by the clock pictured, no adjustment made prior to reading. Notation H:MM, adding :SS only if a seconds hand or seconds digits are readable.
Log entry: 11:01
